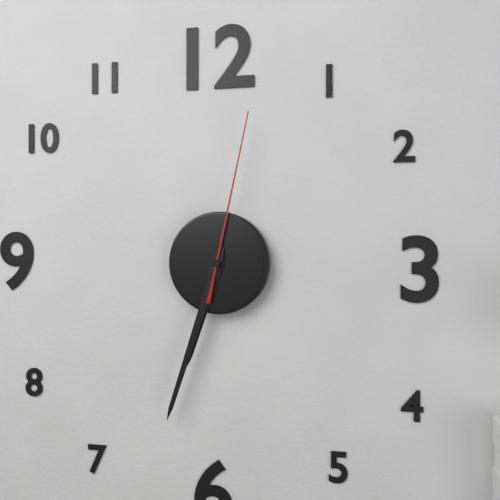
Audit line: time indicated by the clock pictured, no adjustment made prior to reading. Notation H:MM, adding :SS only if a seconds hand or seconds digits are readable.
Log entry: 6:33:02
